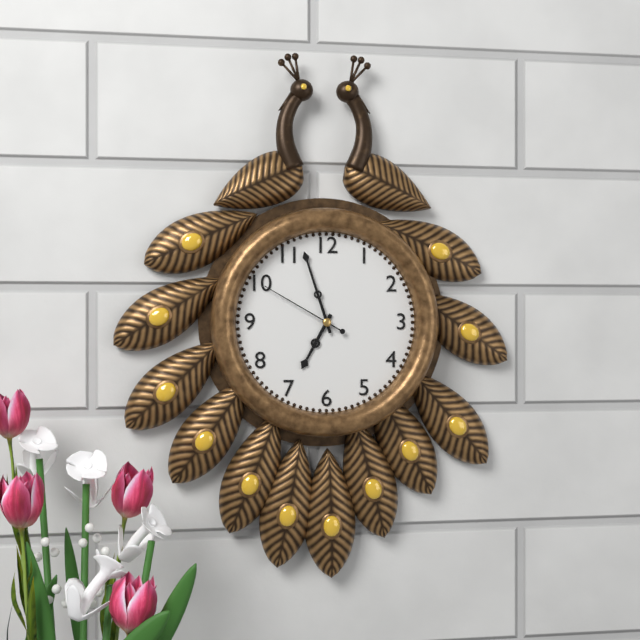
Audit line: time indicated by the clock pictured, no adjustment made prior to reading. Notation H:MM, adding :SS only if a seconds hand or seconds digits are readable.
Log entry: 6:57:50
